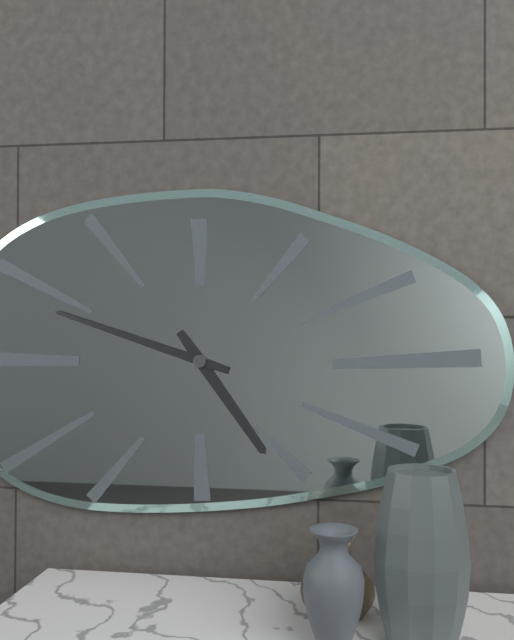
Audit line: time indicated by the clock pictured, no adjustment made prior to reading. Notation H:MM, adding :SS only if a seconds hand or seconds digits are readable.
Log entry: 4:48
